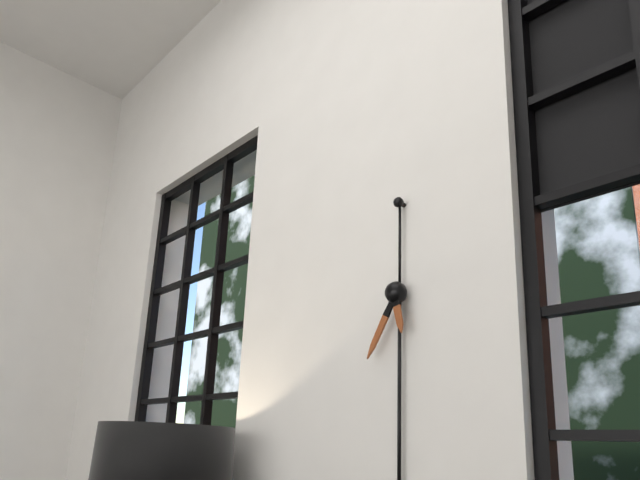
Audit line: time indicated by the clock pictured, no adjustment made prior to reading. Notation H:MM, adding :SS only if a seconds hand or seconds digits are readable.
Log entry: 5:35
